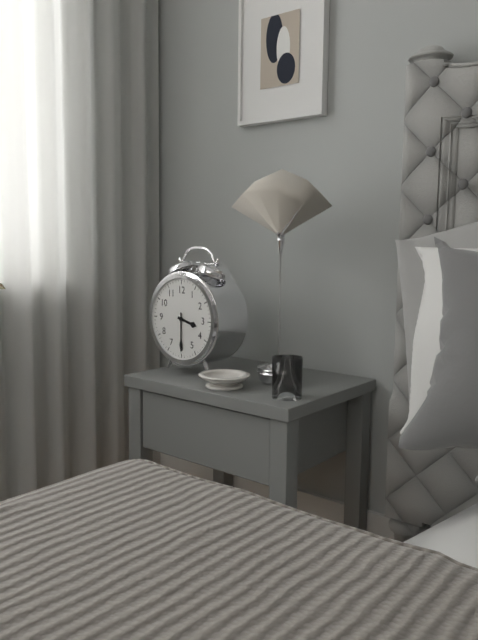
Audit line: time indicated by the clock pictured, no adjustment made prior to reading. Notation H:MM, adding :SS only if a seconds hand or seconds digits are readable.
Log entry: 3:30
